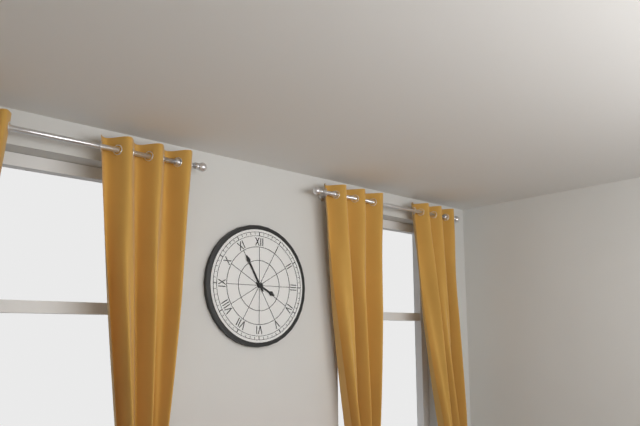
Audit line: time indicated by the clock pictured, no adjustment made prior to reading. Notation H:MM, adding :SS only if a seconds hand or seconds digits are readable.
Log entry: 3:55
